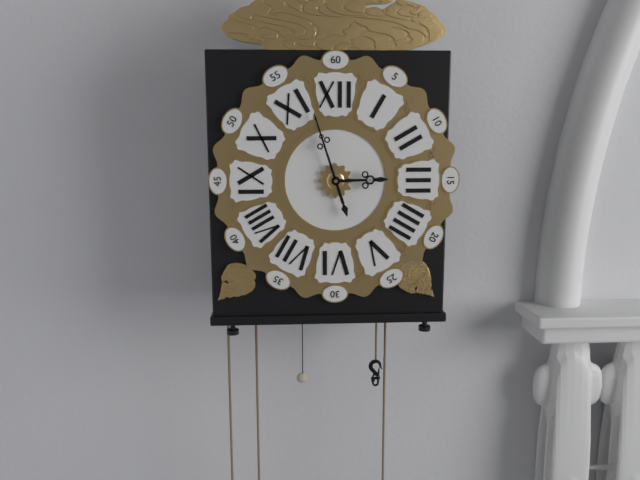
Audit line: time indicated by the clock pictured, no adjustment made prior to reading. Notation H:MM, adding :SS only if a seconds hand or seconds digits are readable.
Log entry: 2:57
